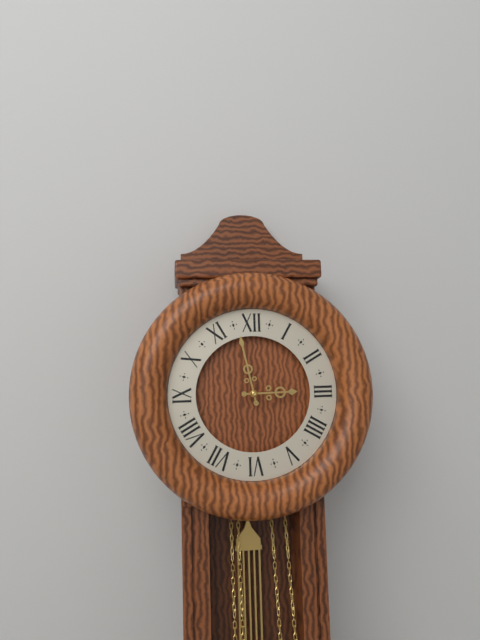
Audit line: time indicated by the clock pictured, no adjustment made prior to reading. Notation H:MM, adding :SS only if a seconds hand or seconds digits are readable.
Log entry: 2:58
